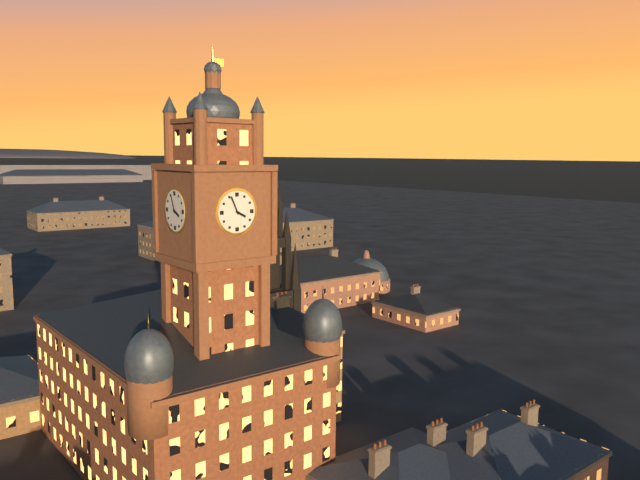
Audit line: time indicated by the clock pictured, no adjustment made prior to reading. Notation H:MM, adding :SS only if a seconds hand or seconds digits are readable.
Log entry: 3:56
